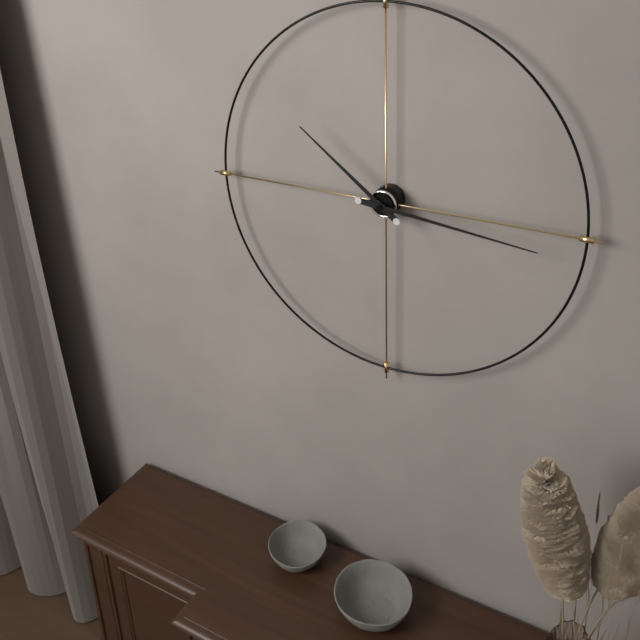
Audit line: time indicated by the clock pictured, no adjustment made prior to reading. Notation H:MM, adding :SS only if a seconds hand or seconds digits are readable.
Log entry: 10:16
